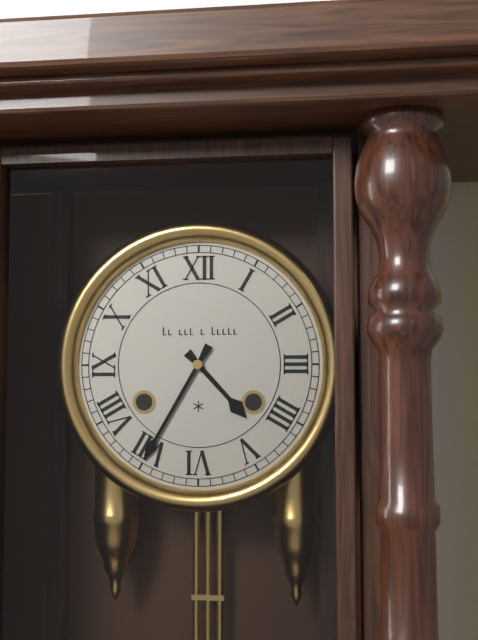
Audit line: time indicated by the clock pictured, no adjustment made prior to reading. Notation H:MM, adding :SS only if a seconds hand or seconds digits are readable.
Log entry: 4:35
